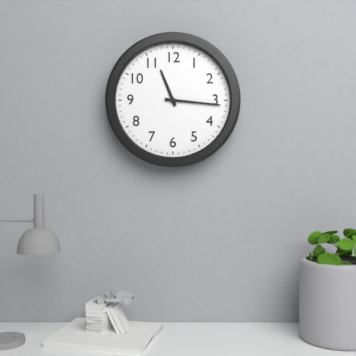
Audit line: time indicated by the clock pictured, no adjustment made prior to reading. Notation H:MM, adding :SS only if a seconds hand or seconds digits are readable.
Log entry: 11:16
